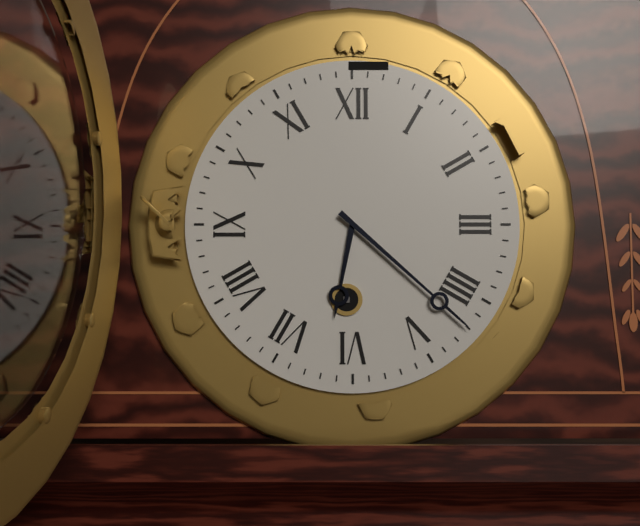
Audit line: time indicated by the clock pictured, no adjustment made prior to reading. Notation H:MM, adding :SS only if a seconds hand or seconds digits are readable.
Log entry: 6:22
